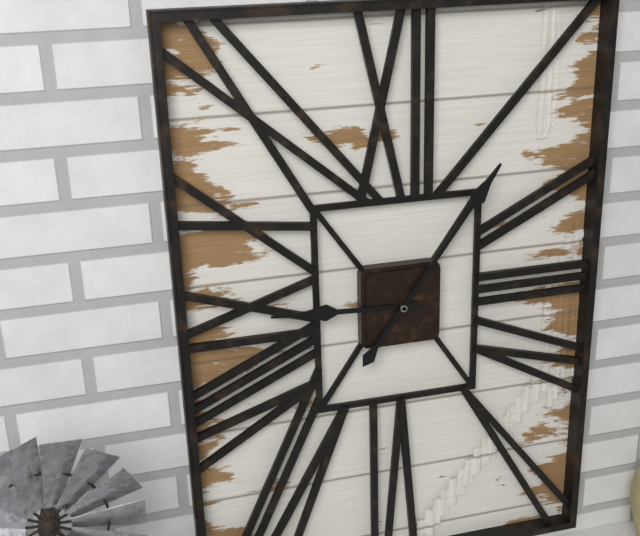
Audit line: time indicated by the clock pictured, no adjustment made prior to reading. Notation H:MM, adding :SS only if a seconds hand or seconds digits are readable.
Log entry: 9:06
